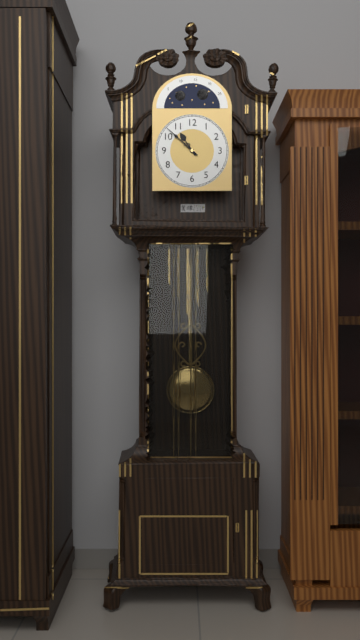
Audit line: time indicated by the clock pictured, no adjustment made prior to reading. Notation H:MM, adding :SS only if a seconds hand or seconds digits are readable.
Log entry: 10:52
